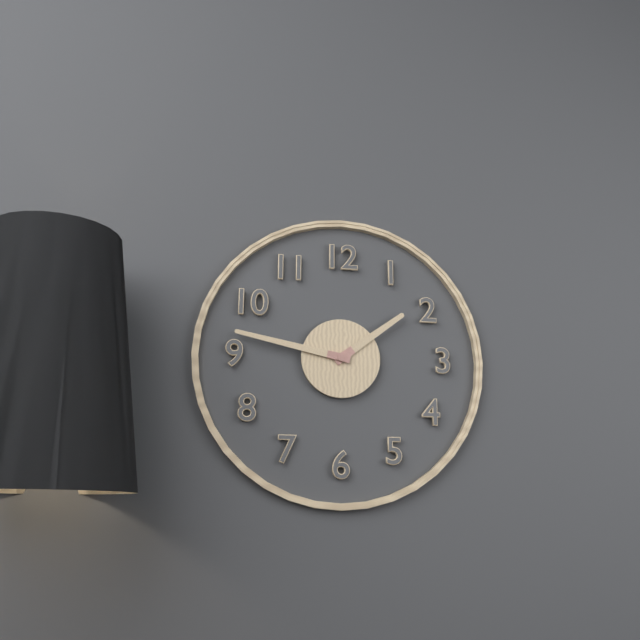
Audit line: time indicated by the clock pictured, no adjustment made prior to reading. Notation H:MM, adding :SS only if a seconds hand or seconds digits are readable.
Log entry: 1:47
